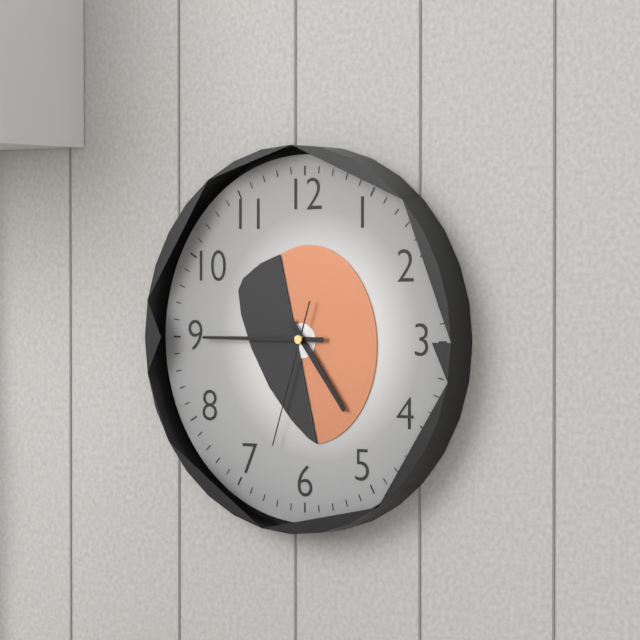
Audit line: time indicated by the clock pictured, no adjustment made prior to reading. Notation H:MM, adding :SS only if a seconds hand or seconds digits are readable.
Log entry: 4:45:33
